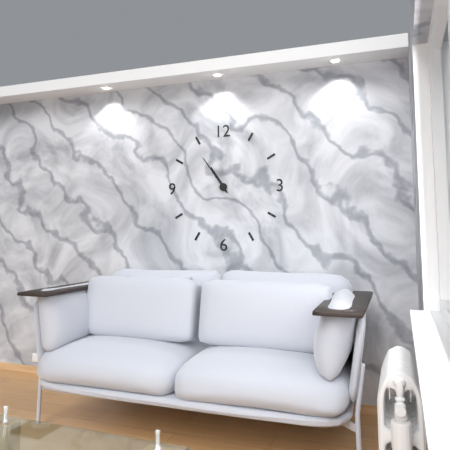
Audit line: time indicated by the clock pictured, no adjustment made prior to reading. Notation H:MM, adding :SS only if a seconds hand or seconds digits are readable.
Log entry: 10:54
